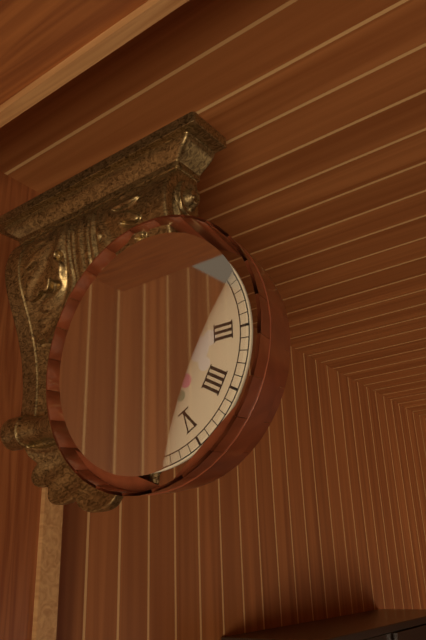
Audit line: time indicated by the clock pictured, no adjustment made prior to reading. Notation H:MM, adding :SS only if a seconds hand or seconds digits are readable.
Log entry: 10:57
